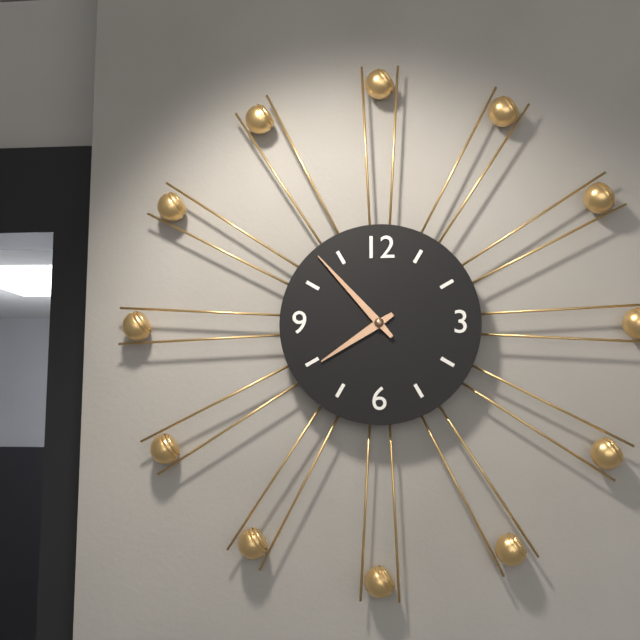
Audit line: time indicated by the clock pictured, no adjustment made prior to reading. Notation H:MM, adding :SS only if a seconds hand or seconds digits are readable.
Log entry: 7:53
